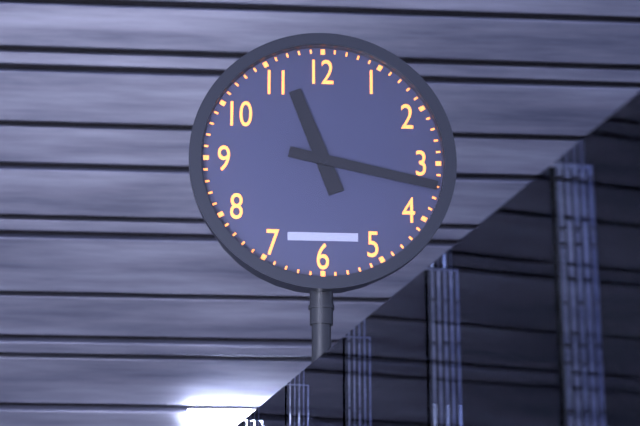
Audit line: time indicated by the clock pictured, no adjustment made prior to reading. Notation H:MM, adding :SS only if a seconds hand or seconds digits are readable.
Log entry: 11:17
